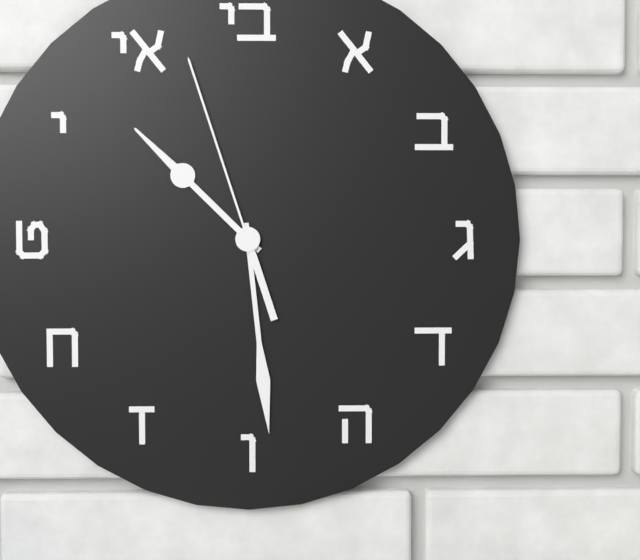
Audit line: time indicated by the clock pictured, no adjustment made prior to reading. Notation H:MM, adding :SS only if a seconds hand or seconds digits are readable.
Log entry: 10:29:57
